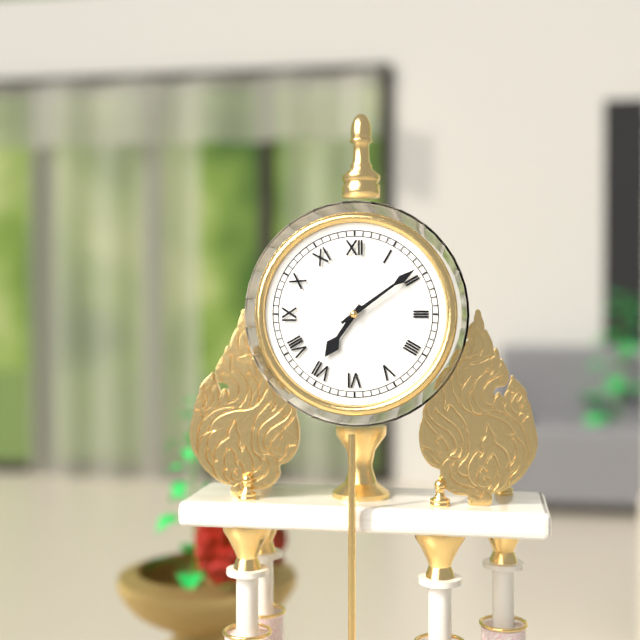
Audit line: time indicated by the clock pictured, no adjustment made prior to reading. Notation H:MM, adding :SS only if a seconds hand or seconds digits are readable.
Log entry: 7:09
